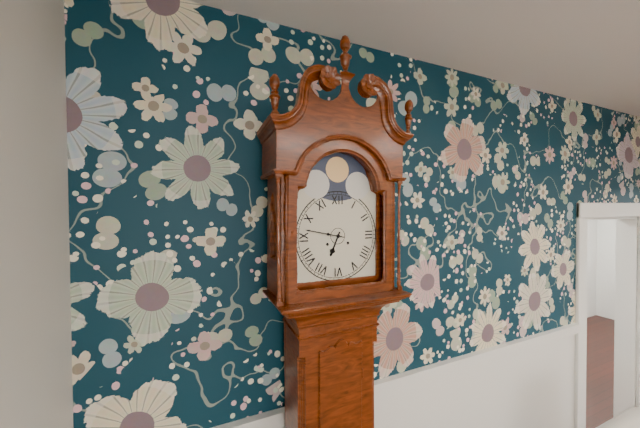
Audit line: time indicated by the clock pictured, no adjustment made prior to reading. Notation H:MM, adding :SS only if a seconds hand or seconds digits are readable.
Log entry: 6:47
